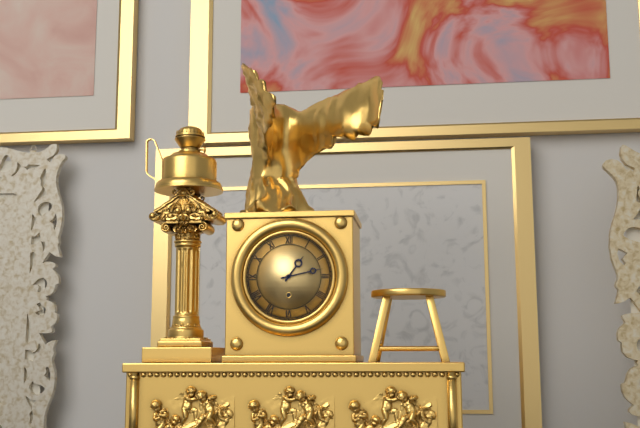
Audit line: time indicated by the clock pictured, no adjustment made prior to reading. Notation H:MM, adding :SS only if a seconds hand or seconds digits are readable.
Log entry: 1:13
